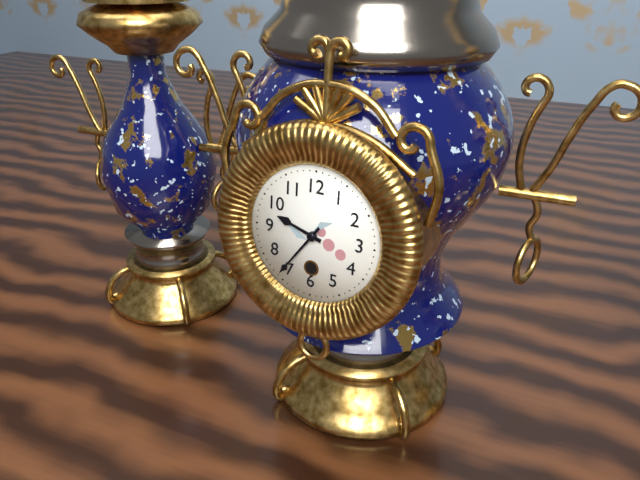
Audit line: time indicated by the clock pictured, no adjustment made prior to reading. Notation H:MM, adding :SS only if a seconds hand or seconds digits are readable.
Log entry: 9:36
